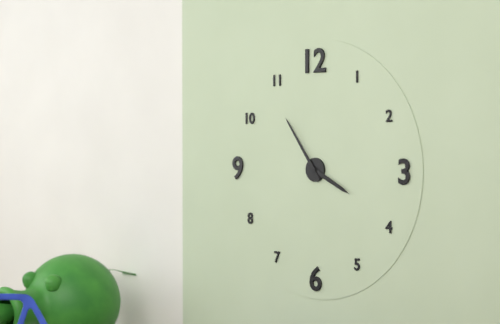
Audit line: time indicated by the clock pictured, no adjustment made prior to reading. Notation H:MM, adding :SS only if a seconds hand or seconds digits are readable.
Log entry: 3:54
